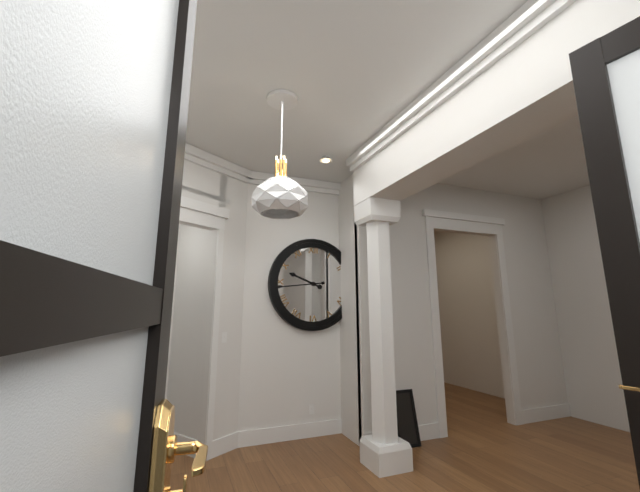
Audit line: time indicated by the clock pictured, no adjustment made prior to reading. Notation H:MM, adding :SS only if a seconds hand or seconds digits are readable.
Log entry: 9:44
